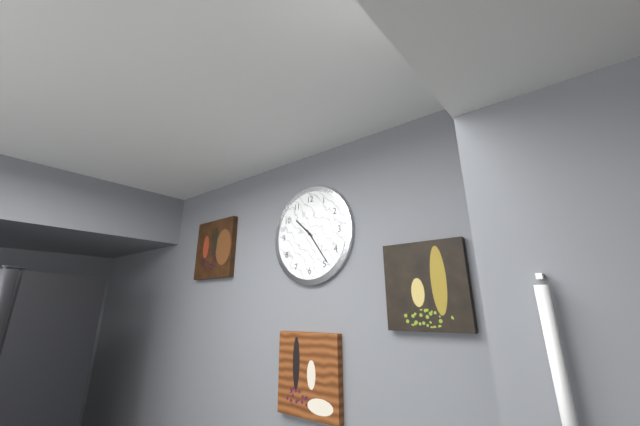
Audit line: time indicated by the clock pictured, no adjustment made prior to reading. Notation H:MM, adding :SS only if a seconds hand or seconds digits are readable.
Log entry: 10:24
